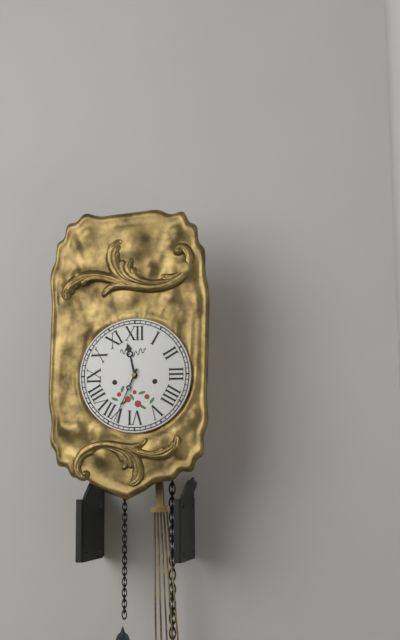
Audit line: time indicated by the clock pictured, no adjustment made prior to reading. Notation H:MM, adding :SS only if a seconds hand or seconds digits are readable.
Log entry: 11:34
